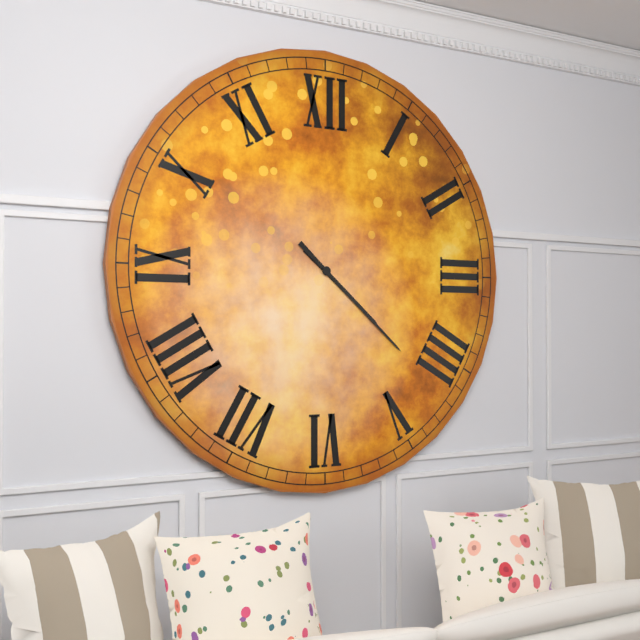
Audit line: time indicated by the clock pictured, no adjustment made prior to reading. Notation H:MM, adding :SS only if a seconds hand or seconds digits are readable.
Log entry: 4:22
